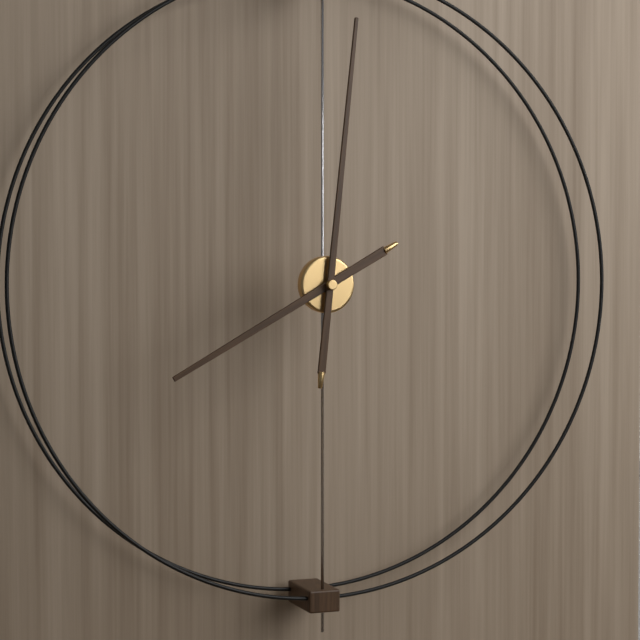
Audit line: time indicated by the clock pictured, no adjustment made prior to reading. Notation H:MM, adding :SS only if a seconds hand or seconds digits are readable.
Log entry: 8:01
